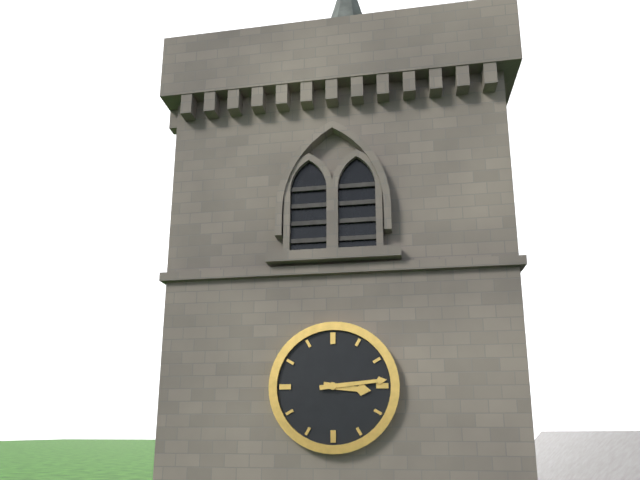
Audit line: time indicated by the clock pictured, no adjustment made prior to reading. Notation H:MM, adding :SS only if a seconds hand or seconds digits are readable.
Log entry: 3:14
